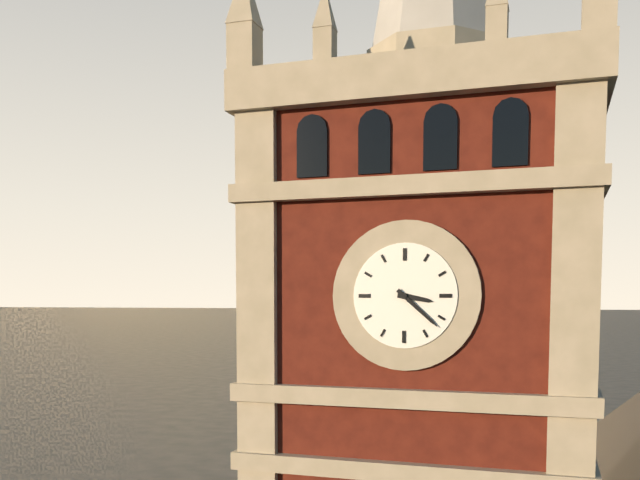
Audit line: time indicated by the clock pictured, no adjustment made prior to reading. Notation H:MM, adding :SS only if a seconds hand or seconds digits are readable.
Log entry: 3:22
